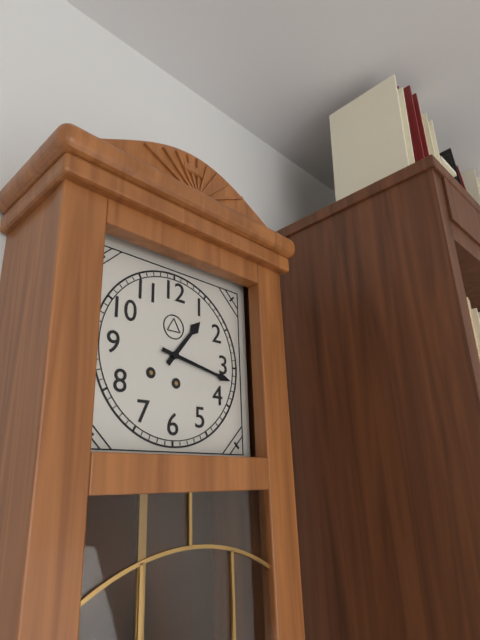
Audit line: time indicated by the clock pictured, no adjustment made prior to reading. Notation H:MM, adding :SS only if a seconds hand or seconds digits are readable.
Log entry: 1:17
